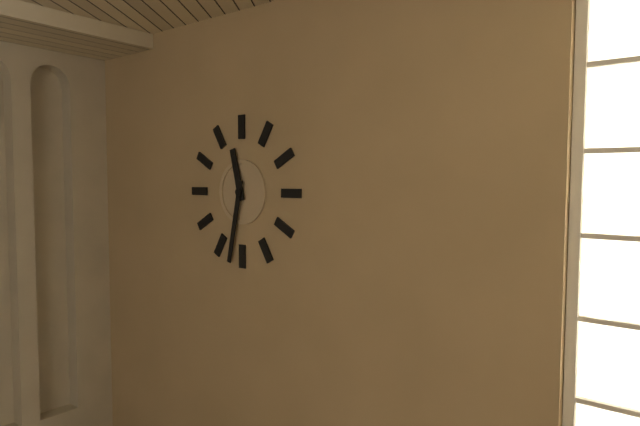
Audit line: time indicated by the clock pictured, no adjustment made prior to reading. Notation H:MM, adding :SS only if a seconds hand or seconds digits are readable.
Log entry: 11:32
